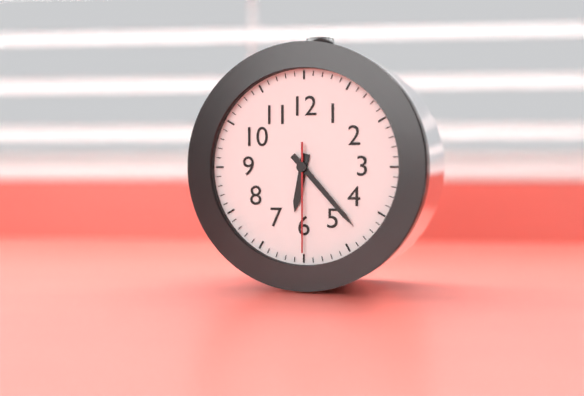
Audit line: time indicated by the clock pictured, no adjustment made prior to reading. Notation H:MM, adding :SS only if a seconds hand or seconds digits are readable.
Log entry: 6:23:30
